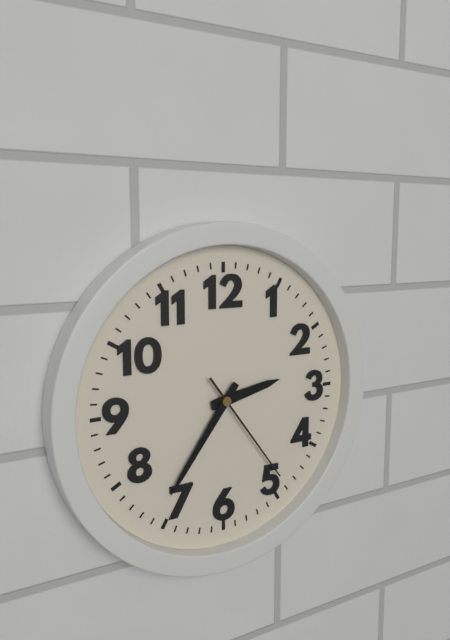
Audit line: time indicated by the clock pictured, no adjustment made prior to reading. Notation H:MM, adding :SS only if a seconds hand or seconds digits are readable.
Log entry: 2:36:24
